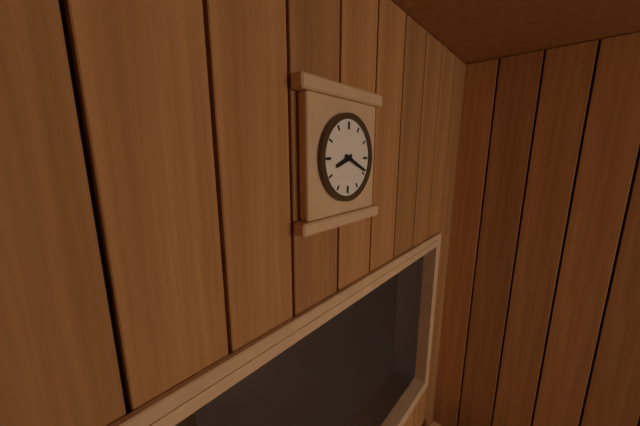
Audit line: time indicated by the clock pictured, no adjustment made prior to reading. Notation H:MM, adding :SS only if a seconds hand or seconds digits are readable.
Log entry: 8:19
